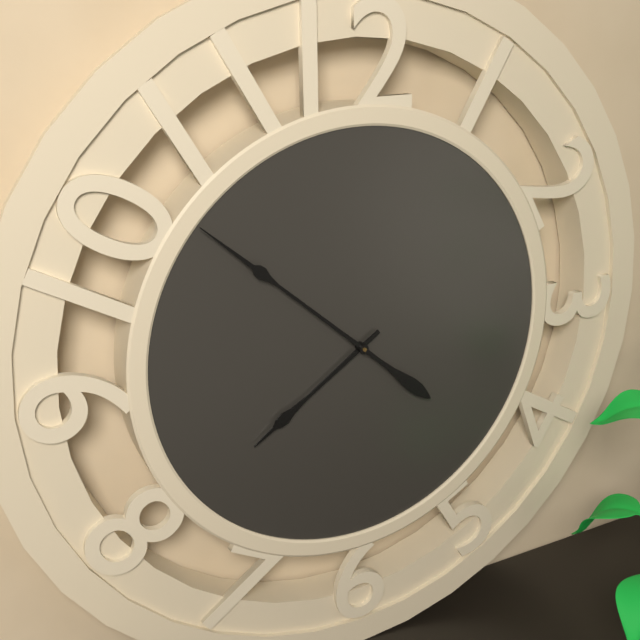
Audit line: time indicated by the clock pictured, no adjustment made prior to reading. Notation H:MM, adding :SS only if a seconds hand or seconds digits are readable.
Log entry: 7:52
